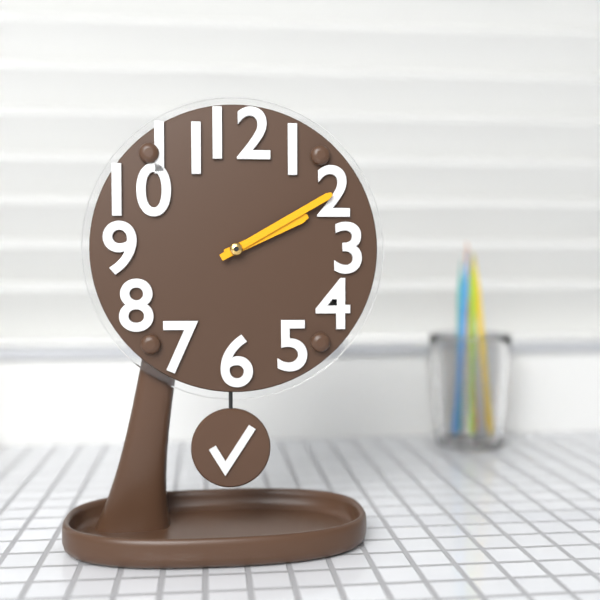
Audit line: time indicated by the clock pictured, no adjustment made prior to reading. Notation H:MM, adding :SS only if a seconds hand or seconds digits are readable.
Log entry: 2:10
